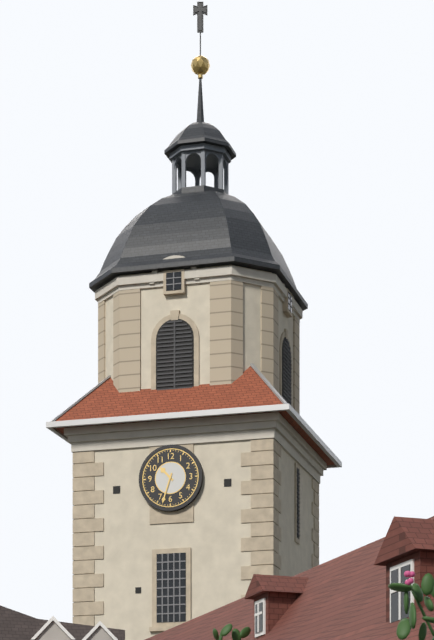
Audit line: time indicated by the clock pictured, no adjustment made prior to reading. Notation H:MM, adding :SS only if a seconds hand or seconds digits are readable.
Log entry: 10:33
